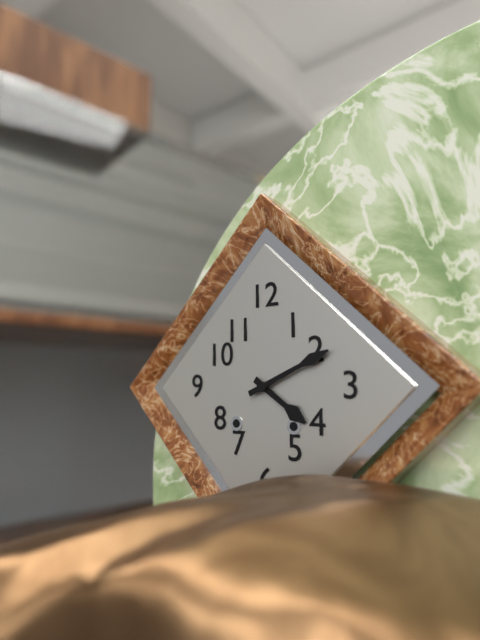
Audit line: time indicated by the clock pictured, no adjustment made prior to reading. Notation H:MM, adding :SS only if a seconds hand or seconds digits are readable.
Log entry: 4:11
